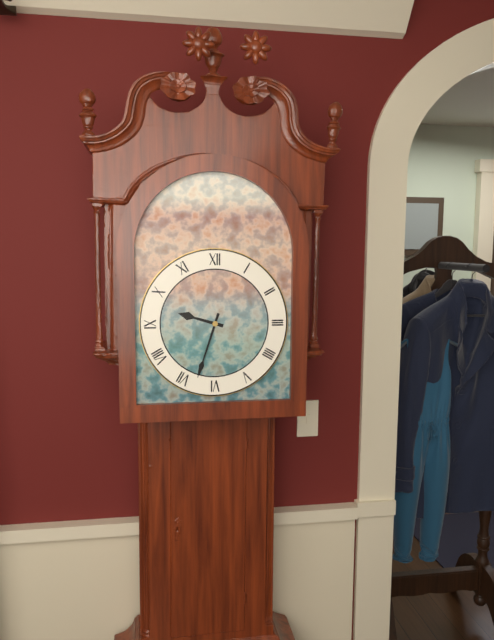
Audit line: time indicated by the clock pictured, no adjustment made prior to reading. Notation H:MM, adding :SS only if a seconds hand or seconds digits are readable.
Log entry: 9:33
